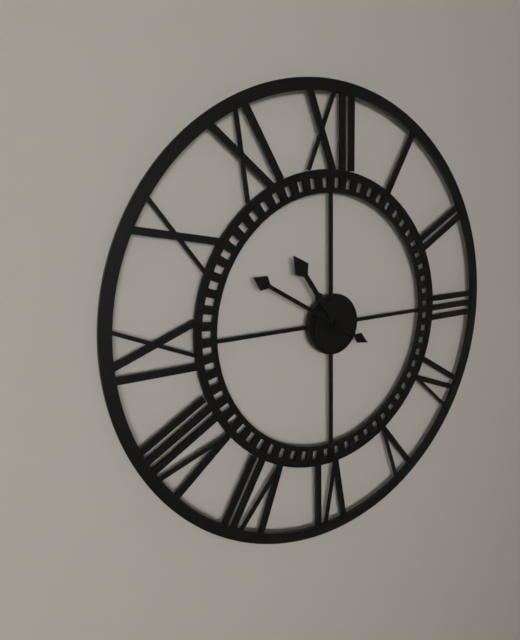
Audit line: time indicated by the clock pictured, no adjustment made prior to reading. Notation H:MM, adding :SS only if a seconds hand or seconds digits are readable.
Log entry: 10:50
